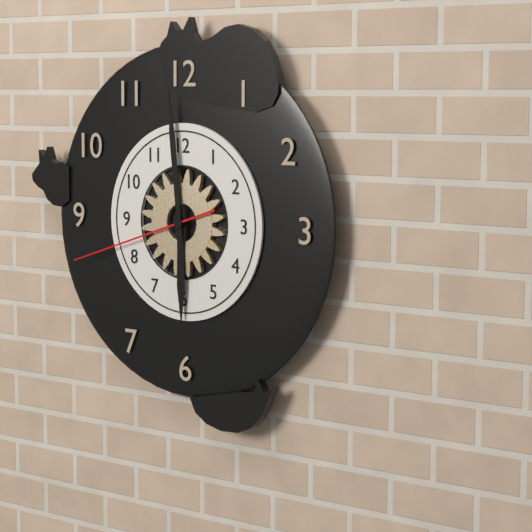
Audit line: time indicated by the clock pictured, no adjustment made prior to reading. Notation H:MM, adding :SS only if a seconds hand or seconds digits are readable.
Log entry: 5:59:42
